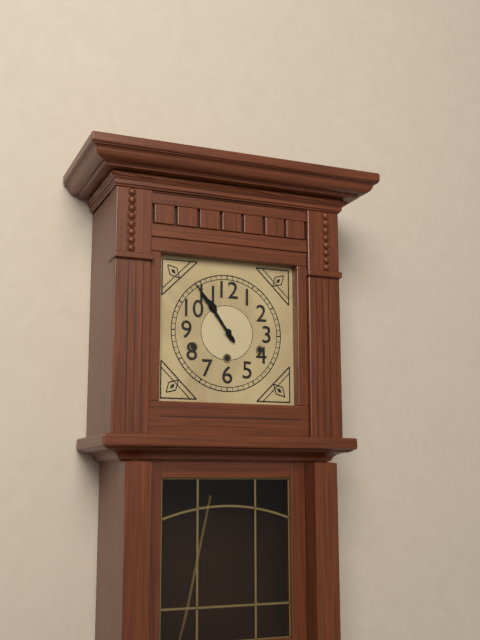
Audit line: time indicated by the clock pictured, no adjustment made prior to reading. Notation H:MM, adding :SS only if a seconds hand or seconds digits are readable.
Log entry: 10:54
